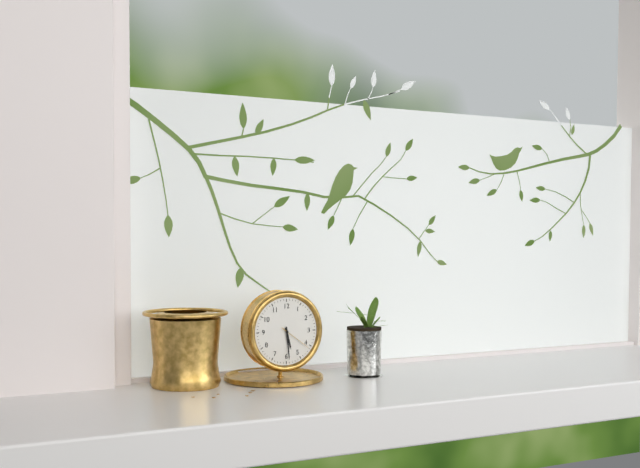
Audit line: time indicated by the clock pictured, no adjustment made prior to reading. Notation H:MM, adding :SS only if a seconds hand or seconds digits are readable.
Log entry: 5:29
